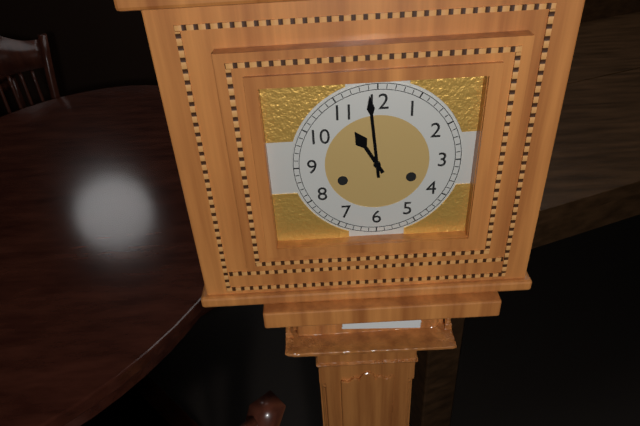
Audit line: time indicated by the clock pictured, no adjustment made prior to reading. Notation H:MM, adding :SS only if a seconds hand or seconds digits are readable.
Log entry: 10:59
